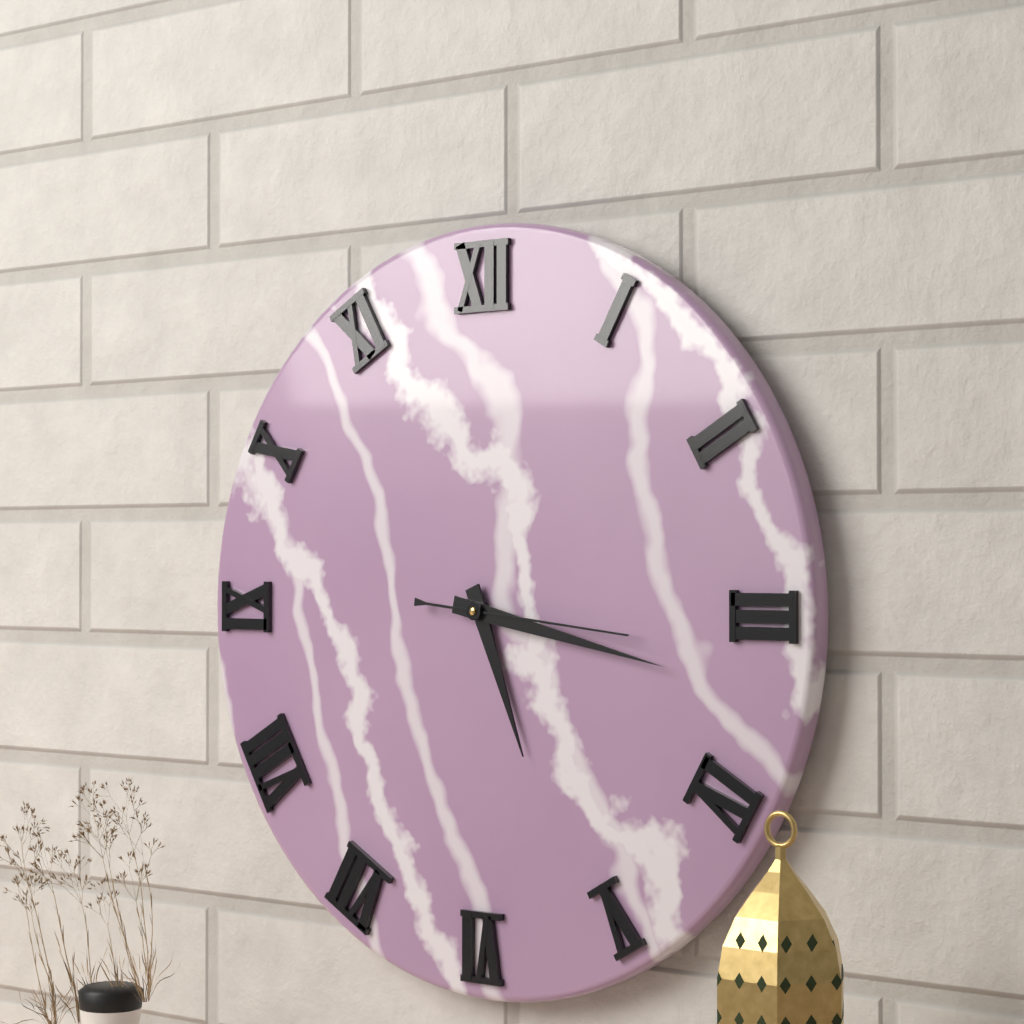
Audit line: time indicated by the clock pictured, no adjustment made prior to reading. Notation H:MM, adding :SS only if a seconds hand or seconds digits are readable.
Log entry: 5:17:16
